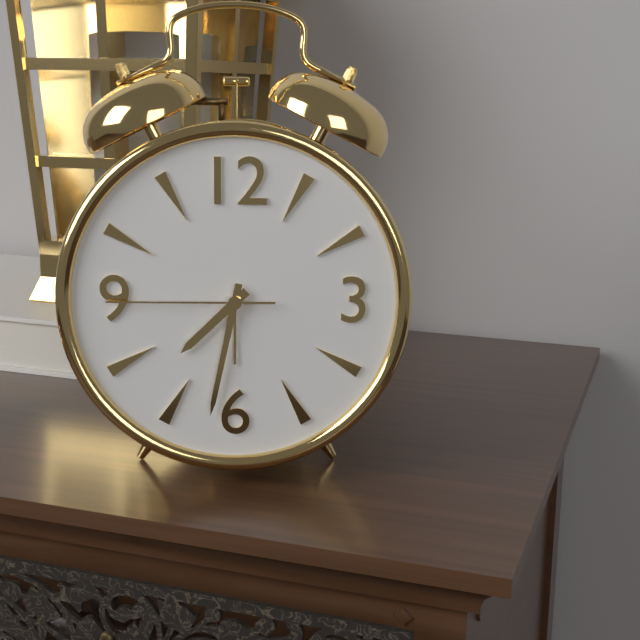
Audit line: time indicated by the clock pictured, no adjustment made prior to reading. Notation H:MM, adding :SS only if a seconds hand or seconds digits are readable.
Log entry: 7:32:45
